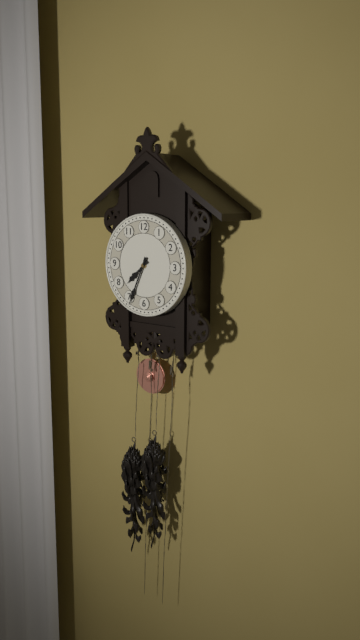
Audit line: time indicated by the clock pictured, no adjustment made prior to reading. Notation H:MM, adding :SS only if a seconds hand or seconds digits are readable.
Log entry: 7:34
